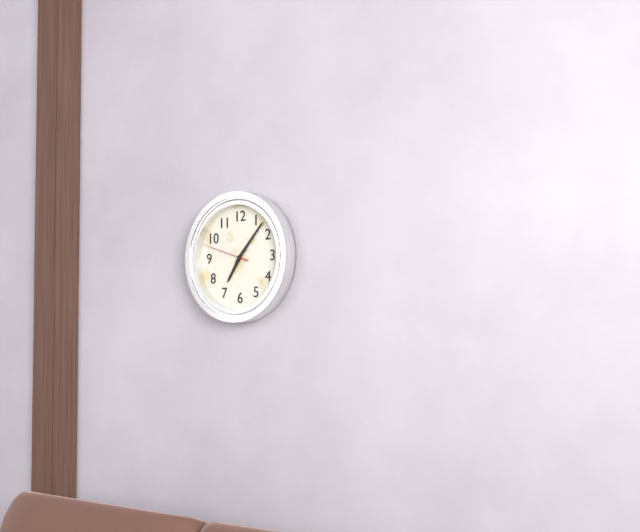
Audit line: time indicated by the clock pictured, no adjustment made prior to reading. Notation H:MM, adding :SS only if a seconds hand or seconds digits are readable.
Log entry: 7:07
